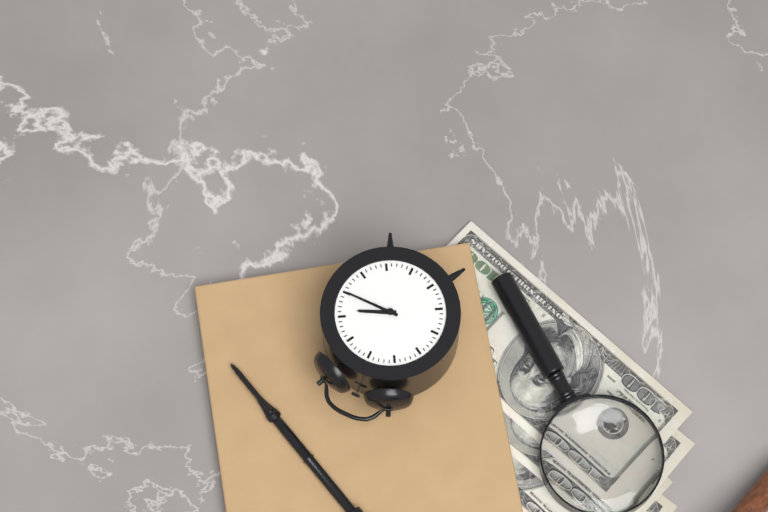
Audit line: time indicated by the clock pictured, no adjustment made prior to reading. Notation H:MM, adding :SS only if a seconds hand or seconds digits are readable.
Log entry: 2:15
